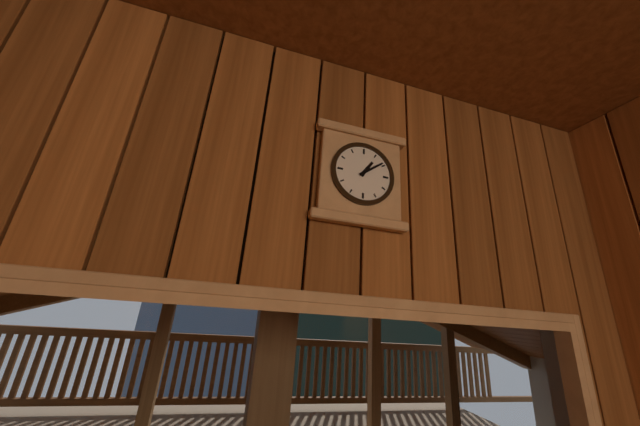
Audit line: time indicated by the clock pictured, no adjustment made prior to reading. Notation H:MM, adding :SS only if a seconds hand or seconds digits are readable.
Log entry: 1:09
